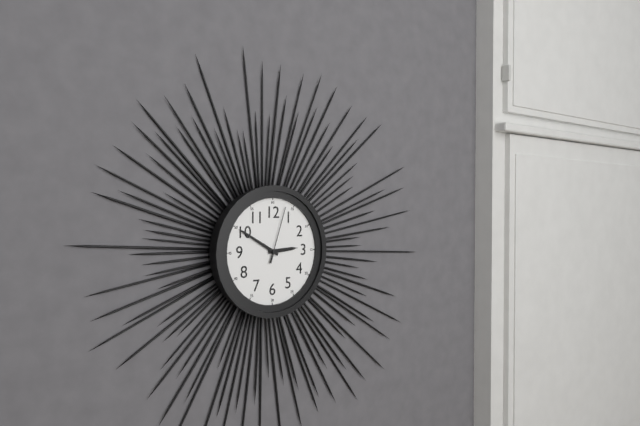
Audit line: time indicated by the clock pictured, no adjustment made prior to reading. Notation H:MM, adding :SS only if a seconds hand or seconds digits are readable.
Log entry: 2:50:03
